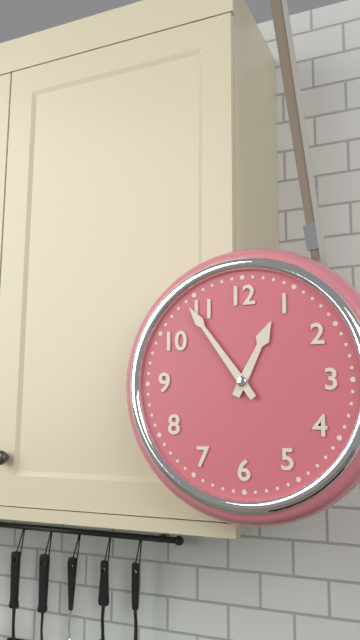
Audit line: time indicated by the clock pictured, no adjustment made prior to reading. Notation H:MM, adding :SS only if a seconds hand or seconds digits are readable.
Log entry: 12:54
